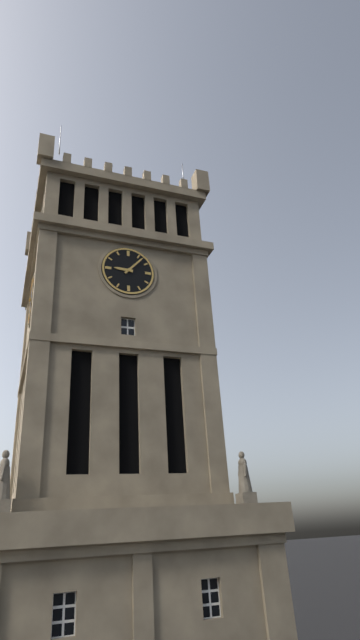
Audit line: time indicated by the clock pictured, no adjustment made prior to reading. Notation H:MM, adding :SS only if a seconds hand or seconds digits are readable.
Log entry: 9:07
